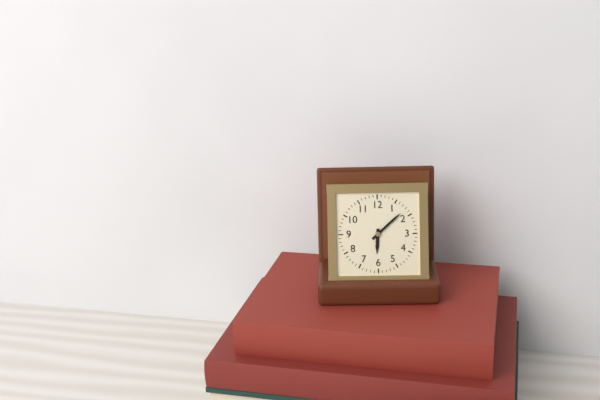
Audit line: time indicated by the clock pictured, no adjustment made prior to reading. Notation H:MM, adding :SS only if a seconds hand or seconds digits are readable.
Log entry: 6:08
